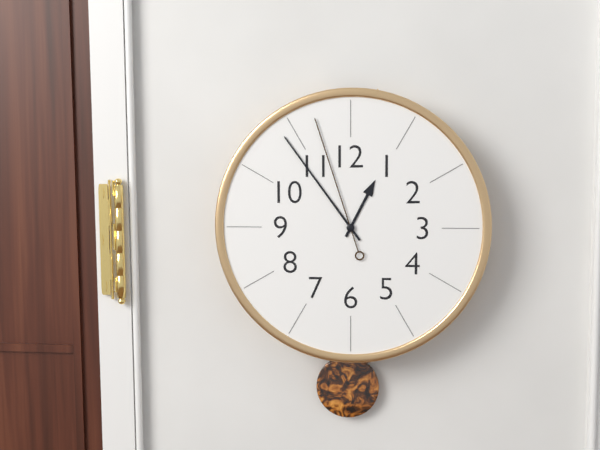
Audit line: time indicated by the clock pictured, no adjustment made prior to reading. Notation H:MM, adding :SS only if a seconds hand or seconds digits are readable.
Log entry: 12:54:57
